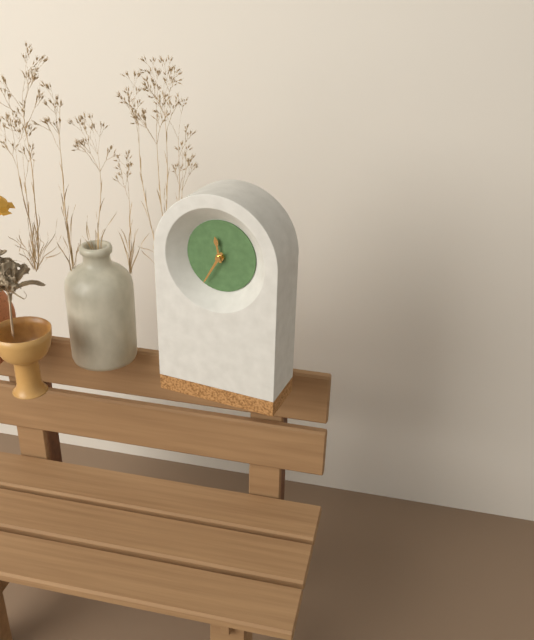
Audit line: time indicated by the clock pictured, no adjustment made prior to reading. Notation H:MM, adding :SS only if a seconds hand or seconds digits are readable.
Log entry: 11:35
